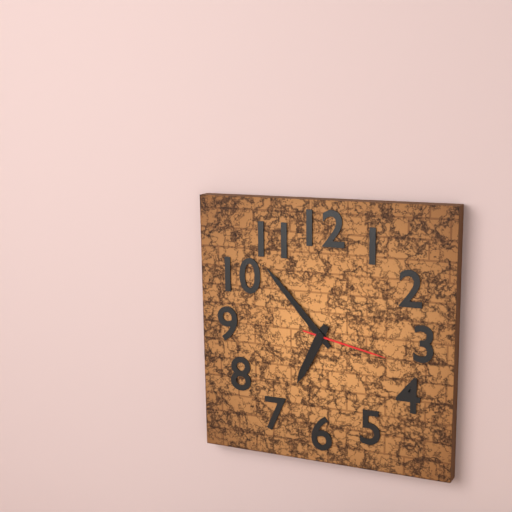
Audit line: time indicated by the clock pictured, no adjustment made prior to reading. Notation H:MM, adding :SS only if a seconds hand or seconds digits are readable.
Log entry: 6:53:17
